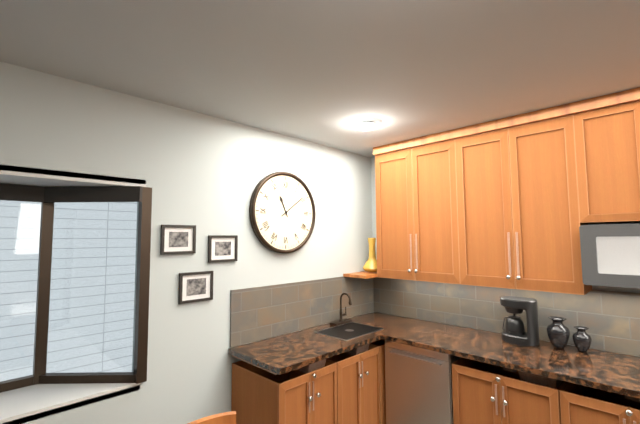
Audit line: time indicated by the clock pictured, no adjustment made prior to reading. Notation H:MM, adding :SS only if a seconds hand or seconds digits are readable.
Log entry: 11:09
